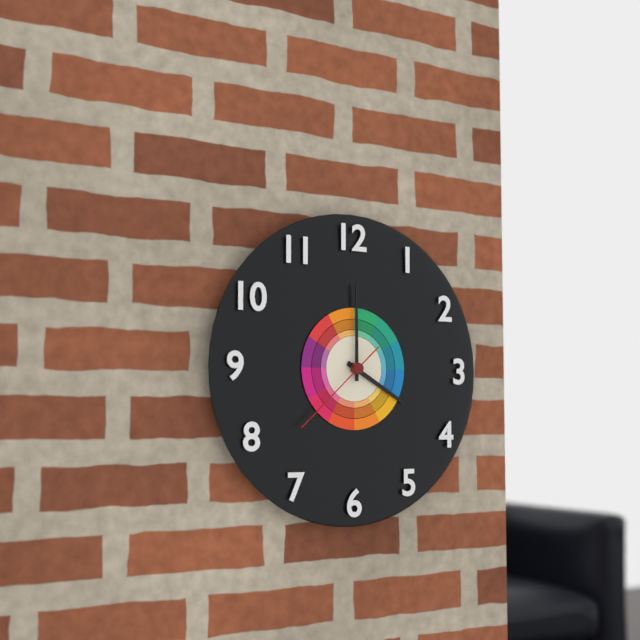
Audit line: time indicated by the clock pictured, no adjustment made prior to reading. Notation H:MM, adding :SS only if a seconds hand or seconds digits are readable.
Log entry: 4:00:38
